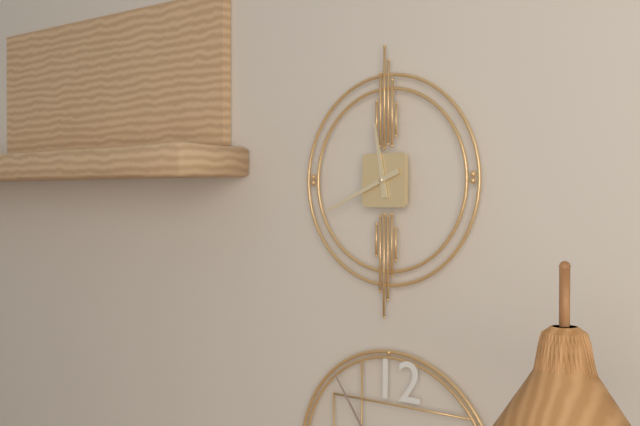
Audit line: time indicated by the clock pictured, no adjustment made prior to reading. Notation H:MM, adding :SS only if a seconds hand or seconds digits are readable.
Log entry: 11:41
